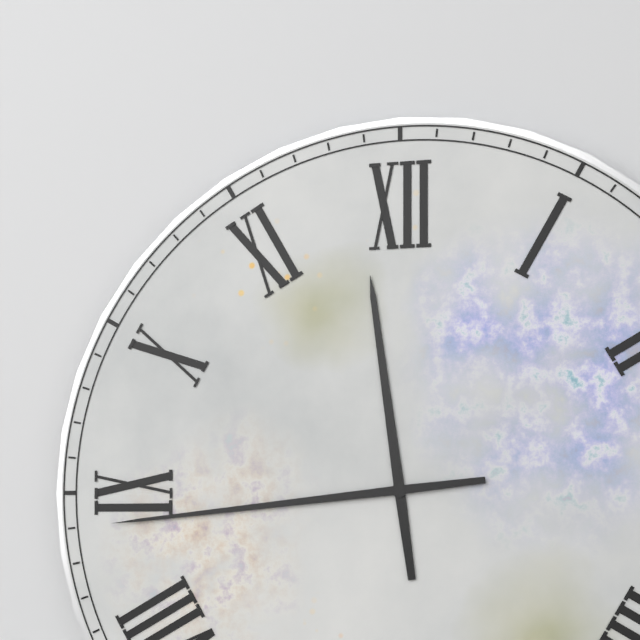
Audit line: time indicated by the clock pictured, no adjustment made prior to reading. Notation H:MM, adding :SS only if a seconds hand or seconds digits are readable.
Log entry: 11:44
